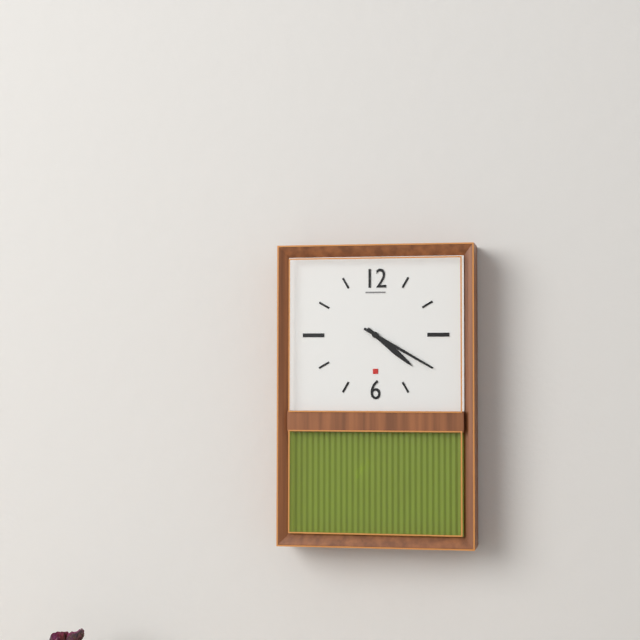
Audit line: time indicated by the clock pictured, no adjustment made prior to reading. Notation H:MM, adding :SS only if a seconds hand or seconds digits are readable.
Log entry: 4:20
